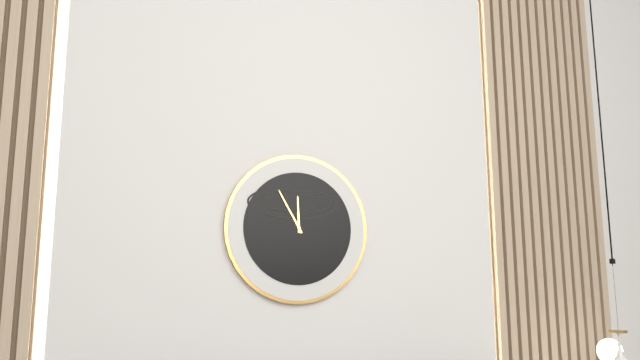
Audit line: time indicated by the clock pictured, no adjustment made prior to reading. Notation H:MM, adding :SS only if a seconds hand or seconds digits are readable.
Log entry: 11:55
